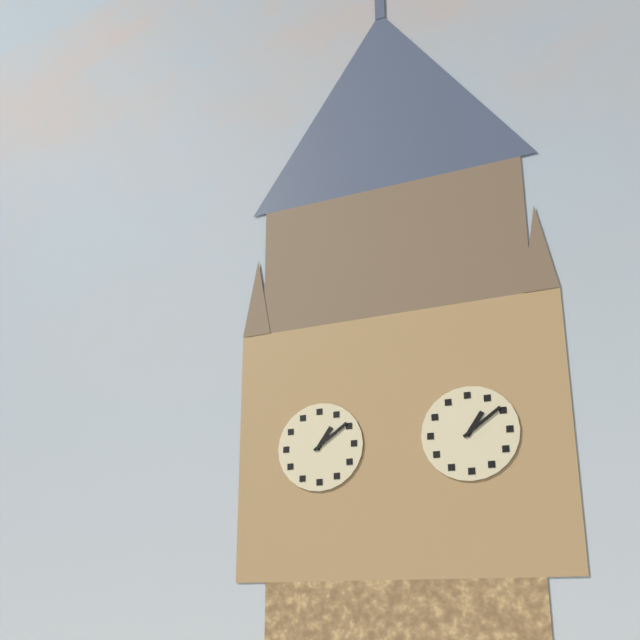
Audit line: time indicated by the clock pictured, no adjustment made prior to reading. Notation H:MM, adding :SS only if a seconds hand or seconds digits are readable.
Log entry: 1:09
